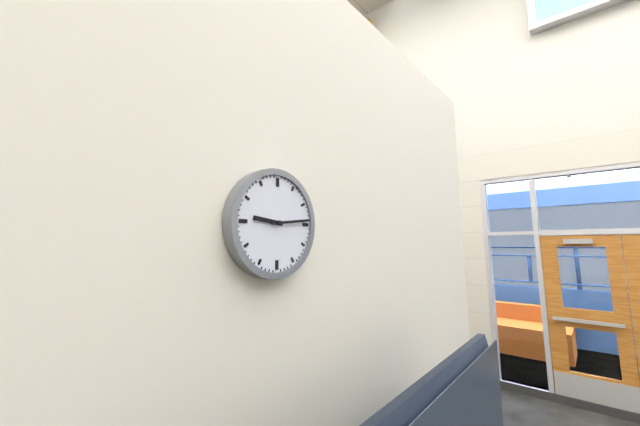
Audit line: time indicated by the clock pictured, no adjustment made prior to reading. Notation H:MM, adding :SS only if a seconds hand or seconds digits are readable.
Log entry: 9:14
